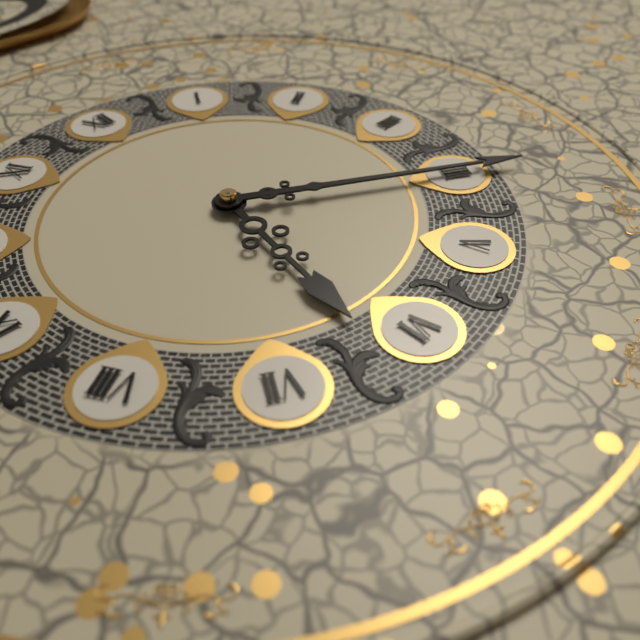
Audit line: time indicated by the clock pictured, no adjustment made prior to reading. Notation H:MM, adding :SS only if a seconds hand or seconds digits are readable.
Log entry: 6:20
